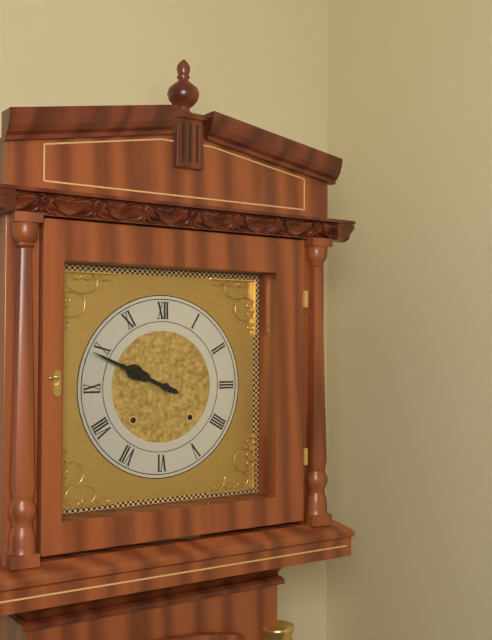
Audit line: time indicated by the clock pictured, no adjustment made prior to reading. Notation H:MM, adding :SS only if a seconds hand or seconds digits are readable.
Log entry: 9:49
